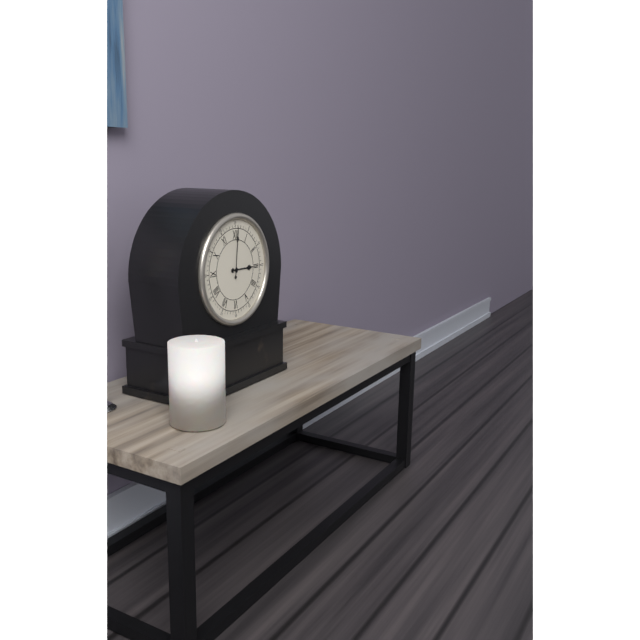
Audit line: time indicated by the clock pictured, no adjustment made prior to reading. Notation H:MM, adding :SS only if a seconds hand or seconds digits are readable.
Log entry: 3:01
